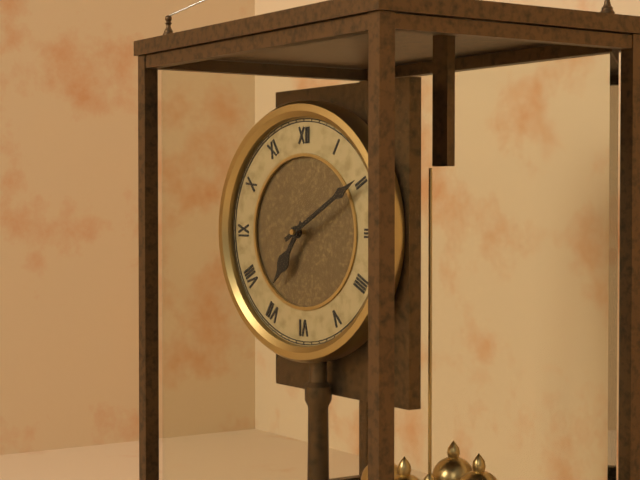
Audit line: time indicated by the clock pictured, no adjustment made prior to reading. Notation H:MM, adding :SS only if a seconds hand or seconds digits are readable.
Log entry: 7:10
